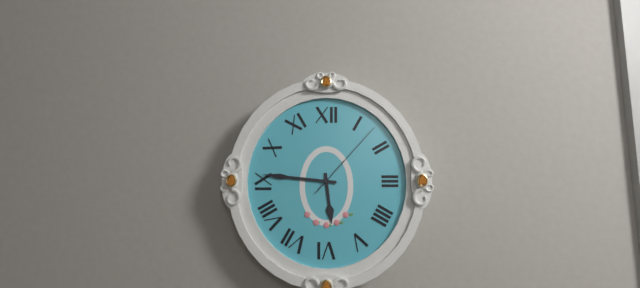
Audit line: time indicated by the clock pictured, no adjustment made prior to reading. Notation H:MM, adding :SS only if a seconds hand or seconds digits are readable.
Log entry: 5:46:07
